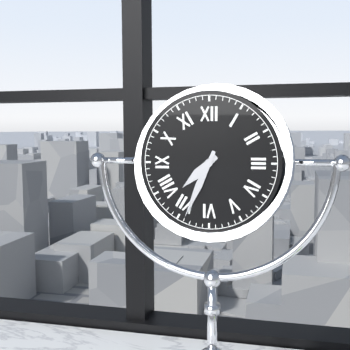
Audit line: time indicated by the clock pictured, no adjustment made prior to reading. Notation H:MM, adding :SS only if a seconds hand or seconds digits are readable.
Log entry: 7:34
